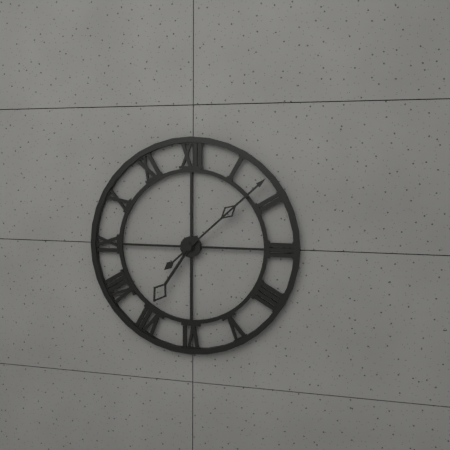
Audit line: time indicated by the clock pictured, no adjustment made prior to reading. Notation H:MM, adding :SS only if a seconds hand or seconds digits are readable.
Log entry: 7:08
